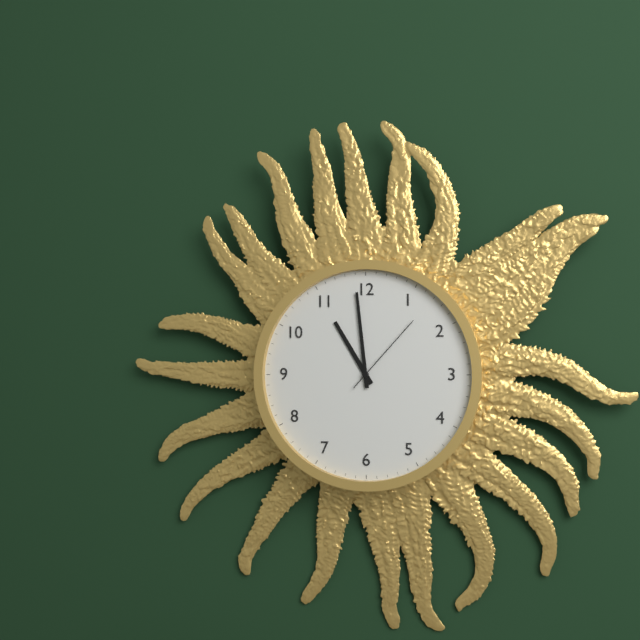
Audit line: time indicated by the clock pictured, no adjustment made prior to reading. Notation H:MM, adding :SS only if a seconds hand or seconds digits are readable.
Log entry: 10:59:07
